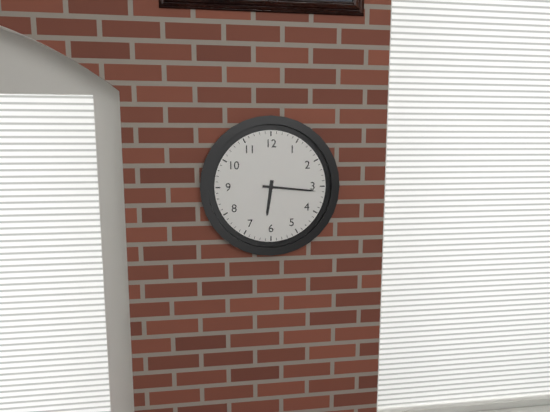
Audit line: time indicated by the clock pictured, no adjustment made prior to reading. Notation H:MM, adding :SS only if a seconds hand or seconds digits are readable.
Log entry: 6:16
